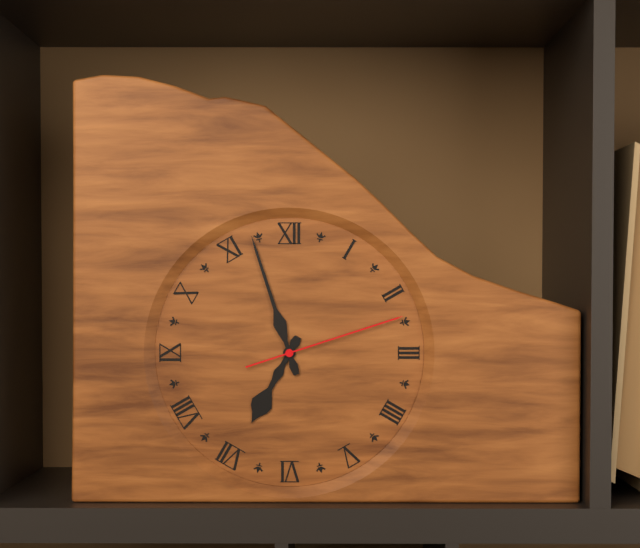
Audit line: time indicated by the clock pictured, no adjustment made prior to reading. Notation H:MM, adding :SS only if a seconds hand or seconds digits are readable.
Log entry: 6:57:12
